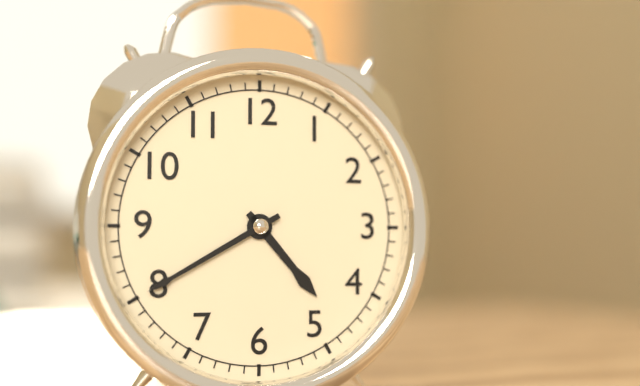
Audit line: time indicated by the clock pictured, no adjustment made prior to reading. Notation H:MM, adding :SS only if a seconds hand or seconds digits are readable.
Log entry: 4:40
